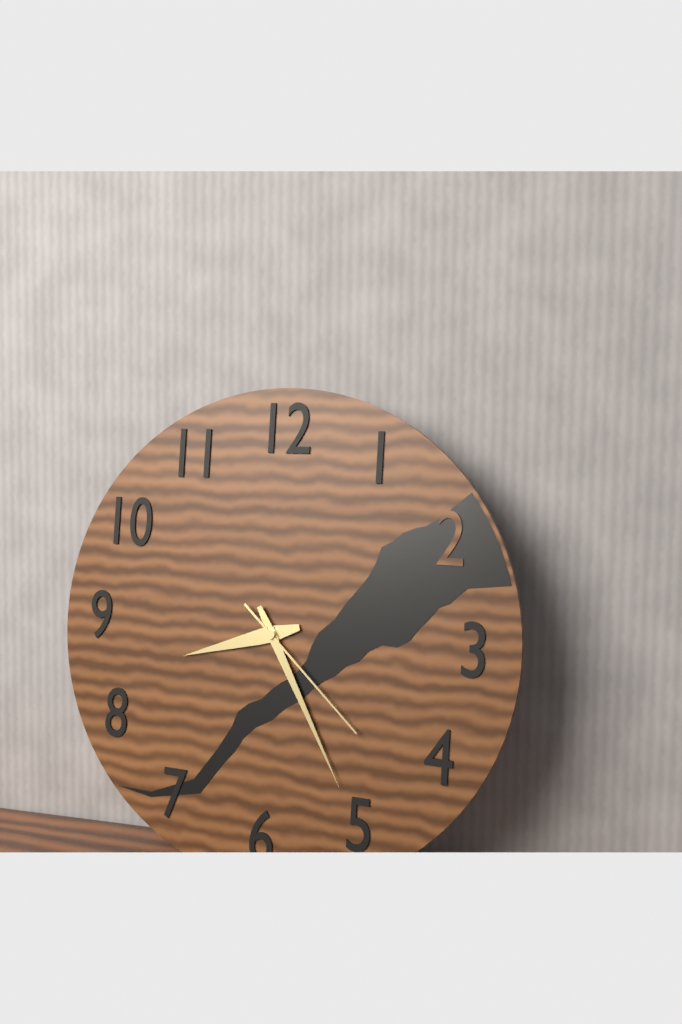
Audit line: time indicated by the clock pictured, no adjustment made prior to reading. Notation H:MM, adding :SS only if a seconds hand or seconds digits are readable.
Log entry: 8:25:22
